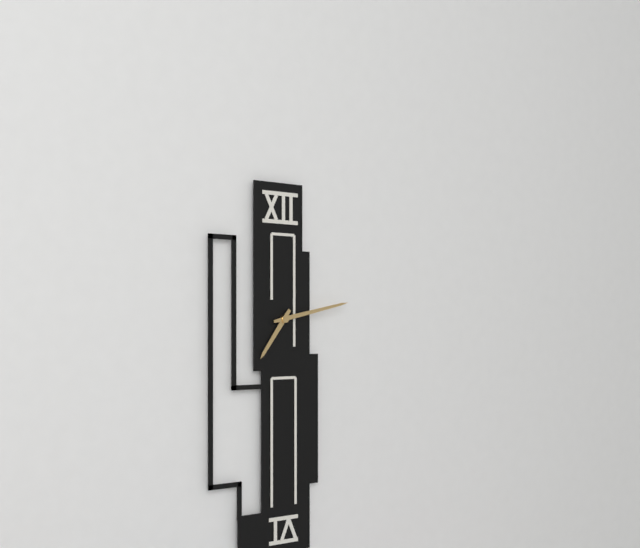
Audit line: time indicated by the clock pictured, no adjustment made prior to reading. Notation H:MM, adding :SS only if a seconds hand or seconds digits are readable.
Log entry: 7:13
